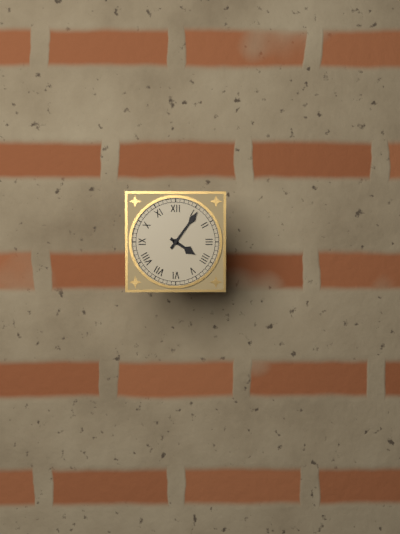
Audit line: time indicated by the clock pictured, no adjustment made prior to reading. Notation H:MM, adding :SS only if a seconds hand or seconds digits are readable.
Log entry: 4:06
